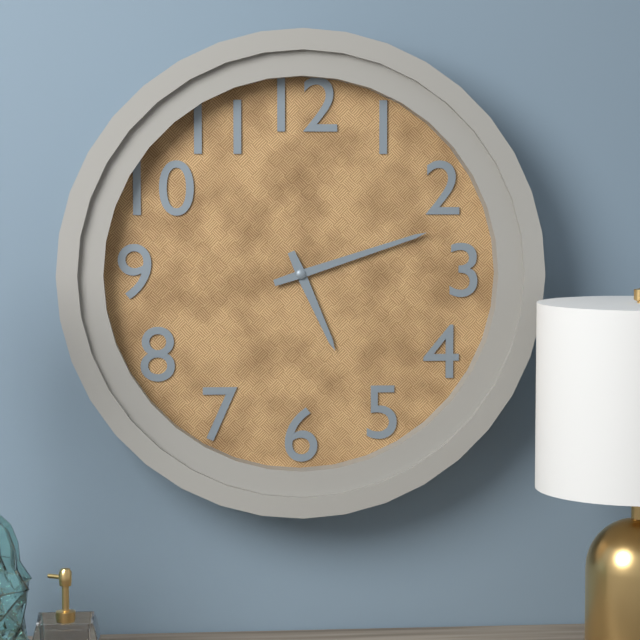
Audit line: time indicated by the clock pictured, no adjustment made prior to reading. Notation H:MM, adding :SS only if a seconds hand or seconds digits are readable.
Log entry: 5:12
